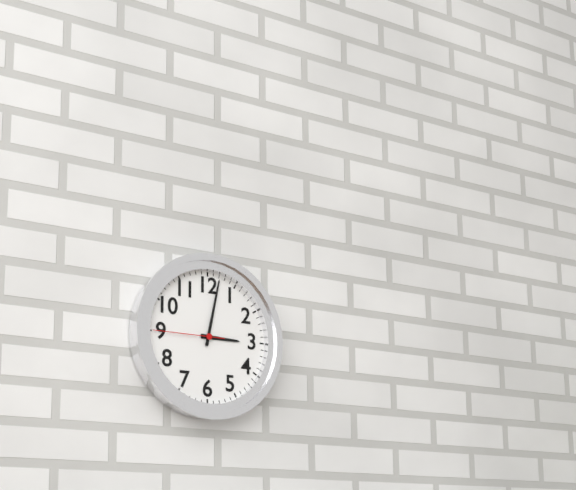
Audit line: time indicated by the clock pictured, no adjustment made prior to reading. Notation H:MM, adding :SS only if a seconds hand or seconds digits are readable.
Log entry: 3:02:45
